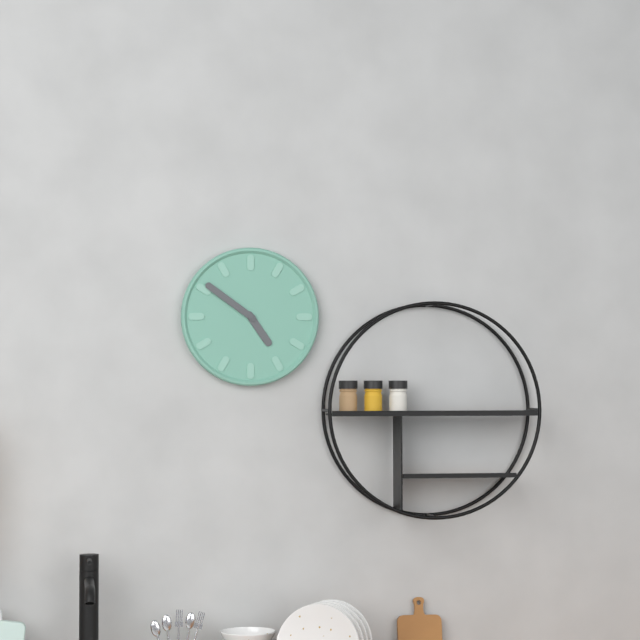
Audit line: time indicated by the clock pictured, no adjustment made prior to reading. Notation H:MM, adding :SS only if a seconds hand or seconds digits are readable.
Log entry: 4:51
